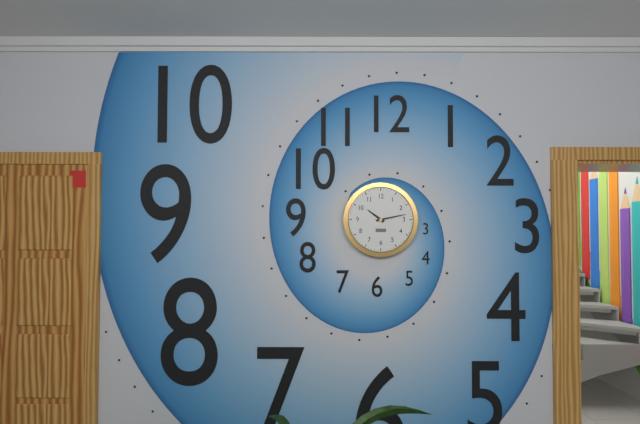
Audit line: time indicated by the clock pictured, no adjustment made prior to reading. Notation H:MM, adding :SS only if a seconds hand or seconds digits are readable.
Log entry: 10:13
